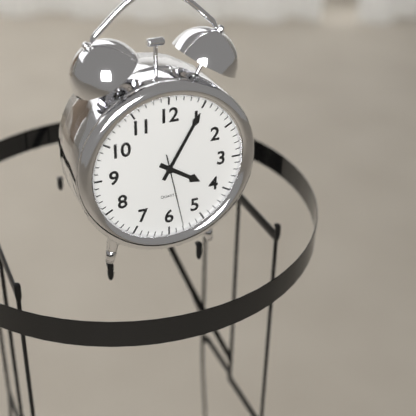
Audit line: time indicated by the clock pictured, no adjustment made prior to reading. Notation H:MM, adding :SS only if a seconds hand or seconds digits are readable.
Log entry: 4:05:28
